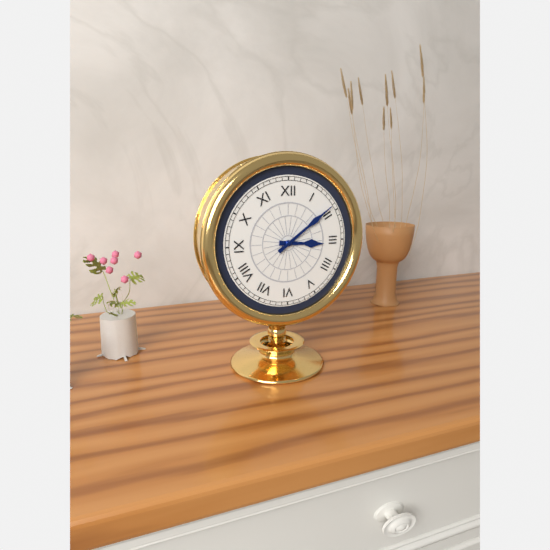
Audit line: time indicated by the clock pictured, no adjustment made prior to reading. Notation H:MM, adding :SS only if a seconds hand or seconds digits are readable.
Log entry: 3:09
